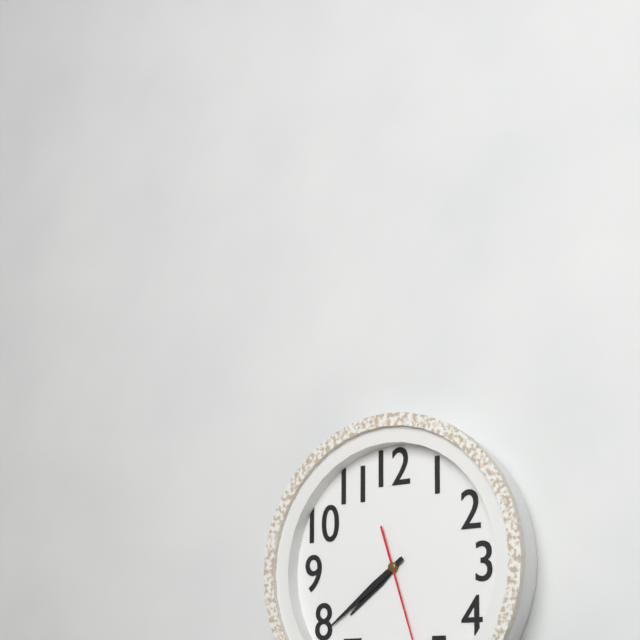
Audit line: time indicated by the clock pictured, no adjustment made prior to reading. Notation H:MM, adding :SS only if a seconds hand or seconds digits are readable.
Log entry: 7:39
